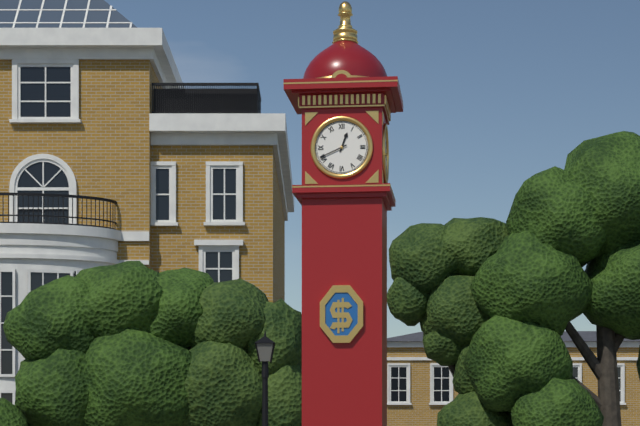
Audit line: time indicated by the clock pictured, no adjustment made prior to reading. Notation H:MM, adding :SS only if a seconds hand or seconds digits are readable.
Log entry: 12:41
